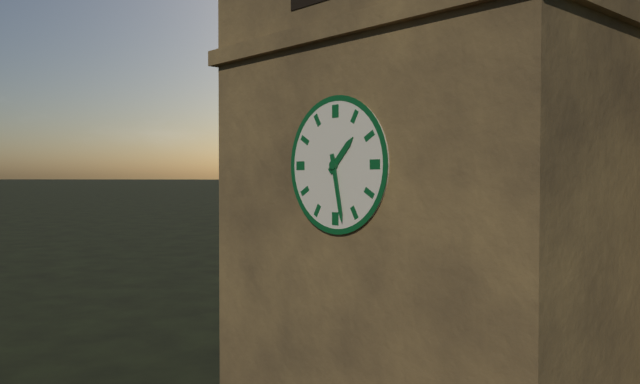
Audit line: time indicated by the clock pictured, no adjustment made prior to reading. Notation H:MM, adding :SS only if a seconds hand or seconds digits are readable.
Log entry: 1:28
